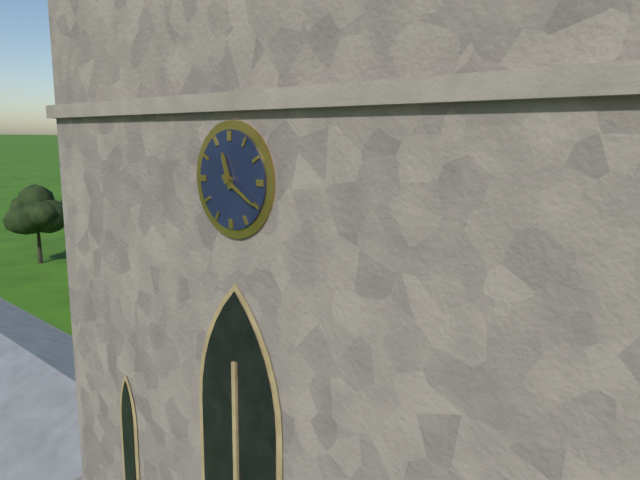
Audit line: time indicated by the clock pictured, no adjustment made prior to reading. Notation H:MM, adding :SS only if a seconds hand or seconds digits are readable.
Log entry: 11:20
